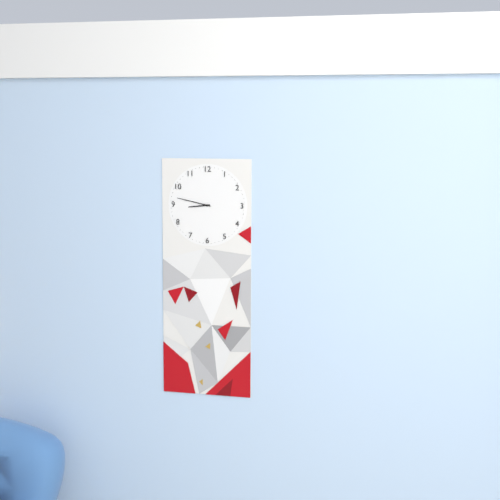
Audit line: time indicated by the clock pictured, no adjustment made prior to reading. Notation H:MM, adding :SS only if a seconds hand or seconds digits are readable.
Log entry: 8:47
